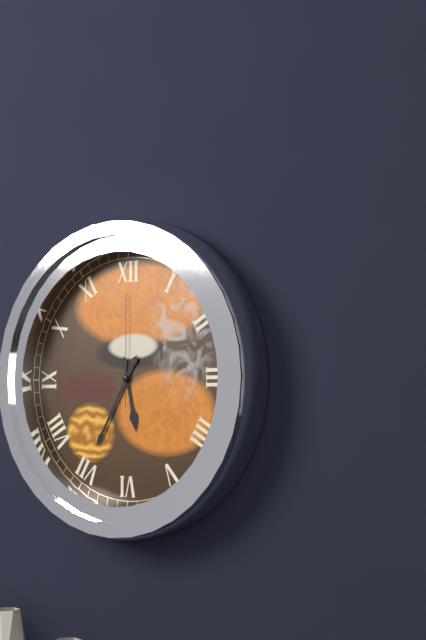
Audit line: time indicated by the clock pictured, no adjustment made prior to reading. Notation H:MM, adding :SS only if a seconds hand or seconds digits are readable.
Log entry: 5:35:00
